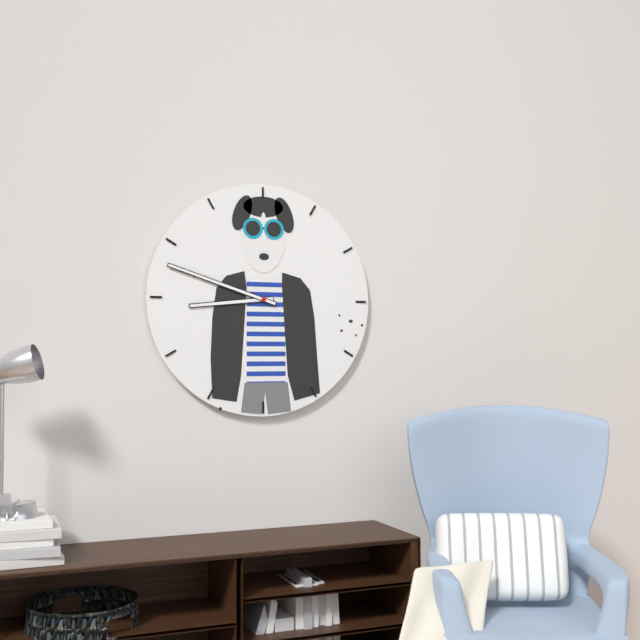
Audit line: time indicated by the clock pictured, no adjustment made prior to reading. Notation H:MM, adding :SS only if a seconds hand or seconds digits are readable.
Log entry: 8:48
